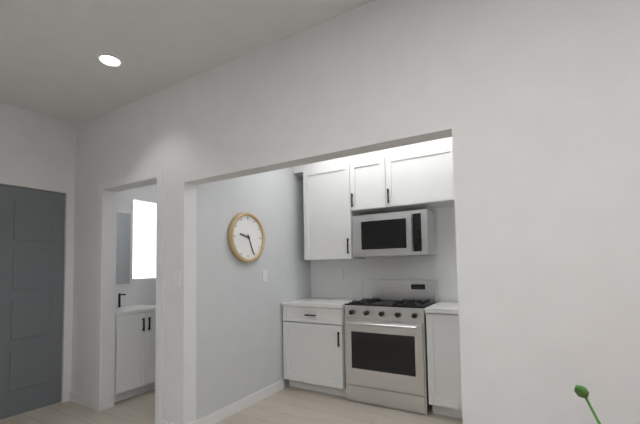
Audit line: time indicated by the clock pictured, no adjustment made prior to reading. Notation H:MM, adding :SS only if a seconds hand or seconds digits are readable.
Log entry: 9:26
